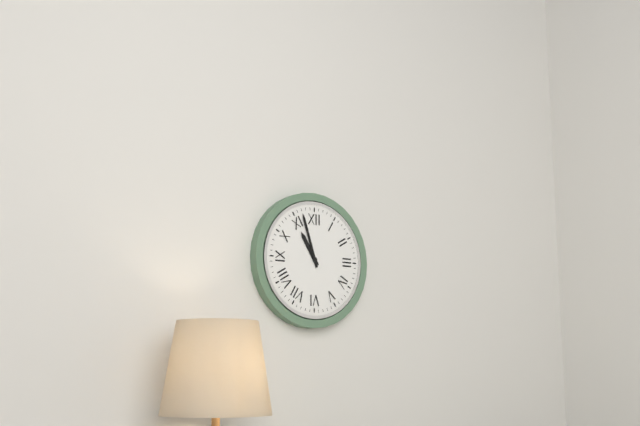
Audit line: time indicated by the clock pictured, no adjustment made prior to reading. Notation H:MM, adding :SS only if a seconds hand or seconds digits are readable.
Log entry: 10:57
